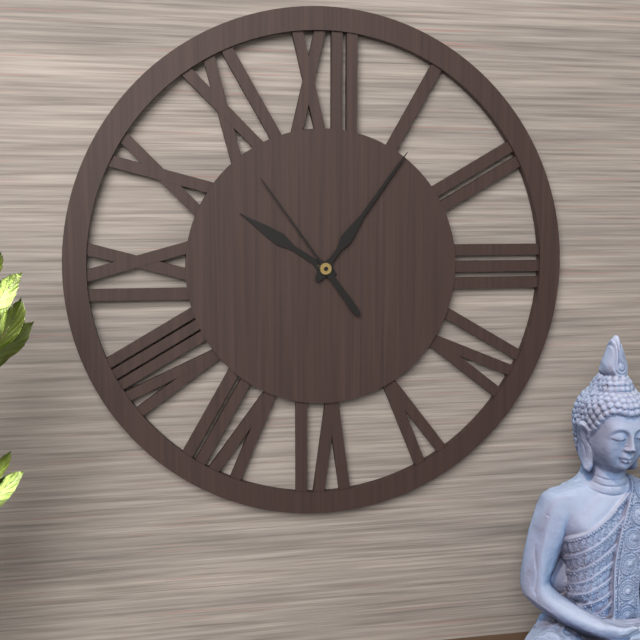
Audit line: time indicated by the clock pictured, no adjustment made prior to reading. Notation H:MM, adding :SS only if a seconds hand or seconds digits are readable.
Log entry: 10:06:54
